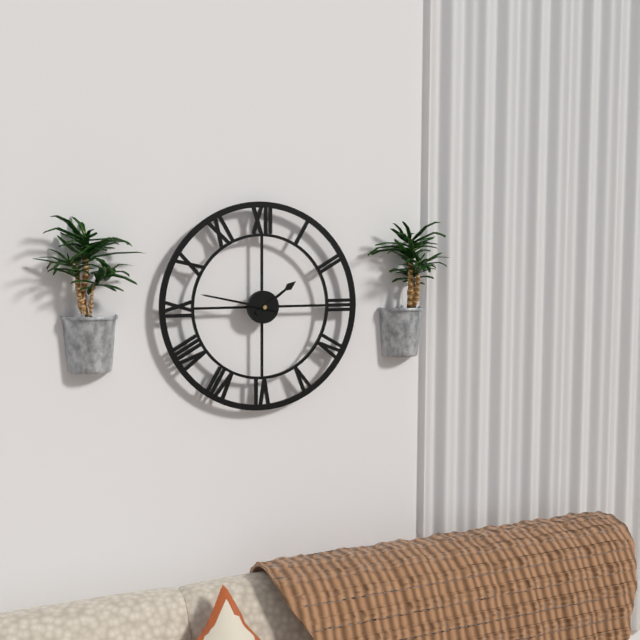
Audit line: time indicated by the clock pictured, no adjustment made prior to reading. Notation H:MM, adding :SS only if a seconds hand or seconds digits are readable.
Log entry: 1:47
